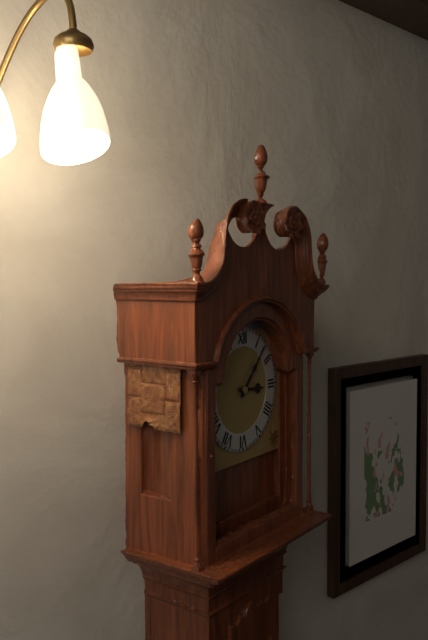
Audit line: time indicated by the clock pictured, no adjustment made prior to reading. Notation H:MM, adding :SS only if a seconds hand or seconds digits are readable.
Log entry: 3:07
